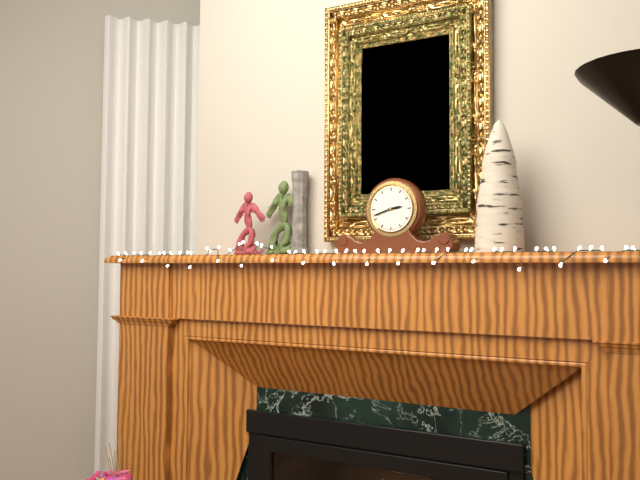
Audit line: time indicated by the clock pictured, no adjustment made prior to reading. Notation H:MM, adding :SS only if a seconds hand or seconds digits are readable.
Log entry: 2:42
